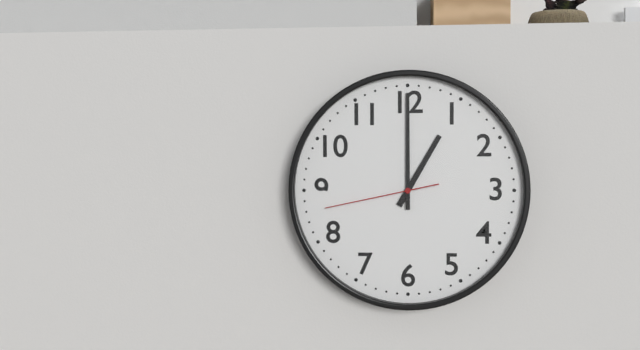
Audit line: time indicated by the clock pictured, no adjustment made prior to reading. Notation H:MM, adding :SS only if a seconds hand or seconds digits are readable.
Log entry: 1:00:43
